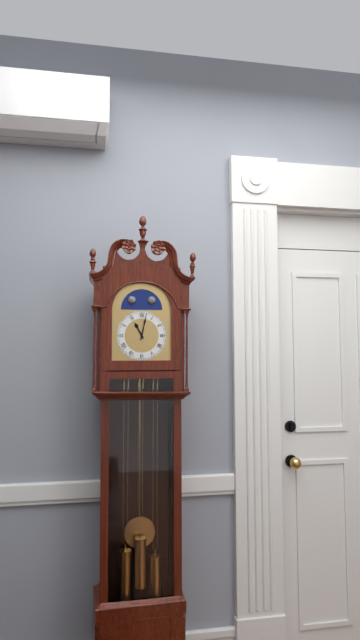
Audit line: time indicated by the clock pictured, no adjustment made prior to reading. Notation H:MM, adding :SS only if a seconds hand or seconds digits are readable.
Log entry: 11:02
